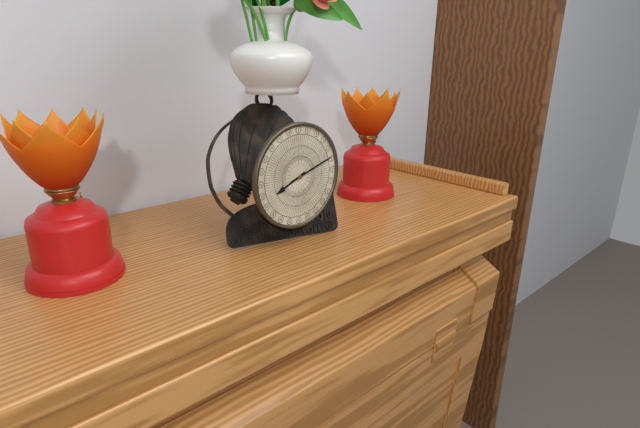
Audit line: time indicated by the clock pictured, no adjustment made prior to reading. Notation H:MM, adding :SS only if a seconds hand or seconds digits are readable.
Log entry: 8:12
